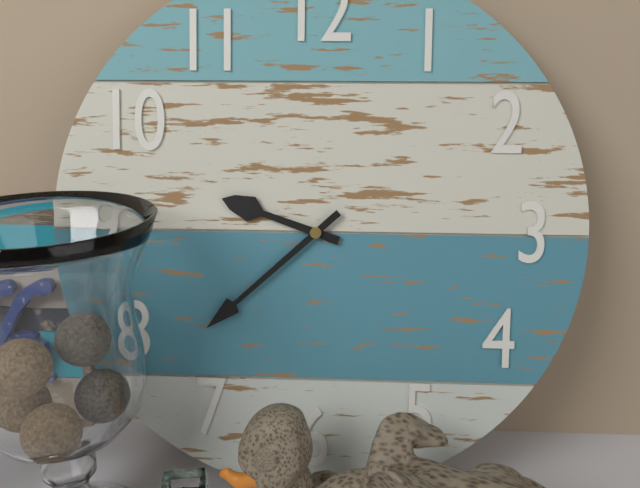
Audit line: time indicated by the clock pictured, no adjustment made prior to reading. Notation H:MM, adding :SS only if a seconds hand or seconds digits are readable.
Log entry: 9:38
